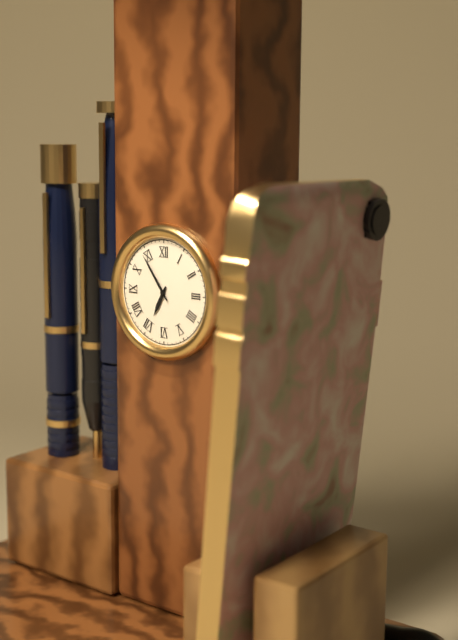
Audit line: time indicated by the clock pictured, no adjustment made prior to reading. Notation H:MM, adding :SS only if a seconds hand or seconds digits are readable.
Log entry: 6:54
